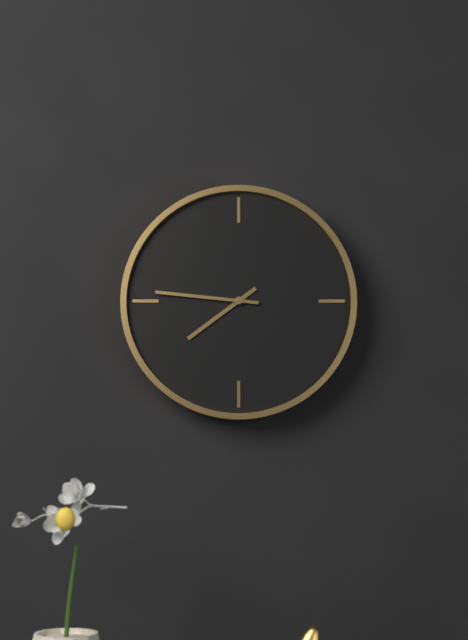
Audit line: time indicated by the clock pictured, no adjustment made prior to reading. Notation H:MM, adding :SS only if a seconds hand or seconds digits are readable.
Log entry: 7:46
